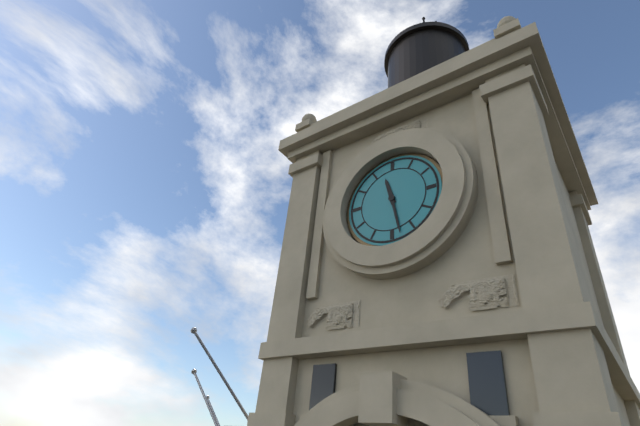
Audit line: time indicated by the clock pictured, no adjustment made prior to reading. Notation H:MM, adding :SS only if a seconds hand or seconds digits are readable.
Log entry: 11:28
